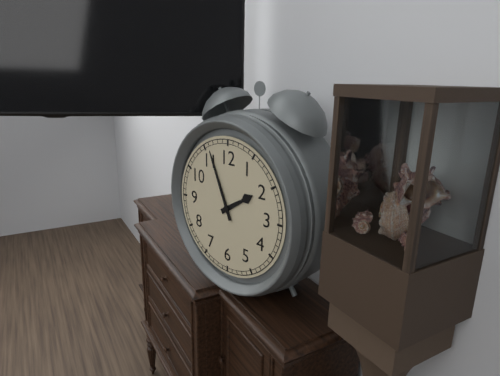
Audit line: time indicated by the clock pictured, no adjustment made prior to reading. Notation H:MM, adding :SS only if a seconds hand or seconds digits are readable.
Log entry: 1:56
